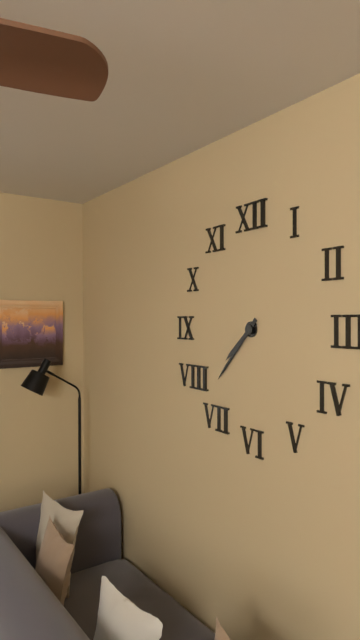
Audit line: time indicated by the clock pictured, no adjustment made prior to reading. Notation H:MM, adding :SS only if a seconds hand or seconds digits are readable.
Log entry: 7:37
